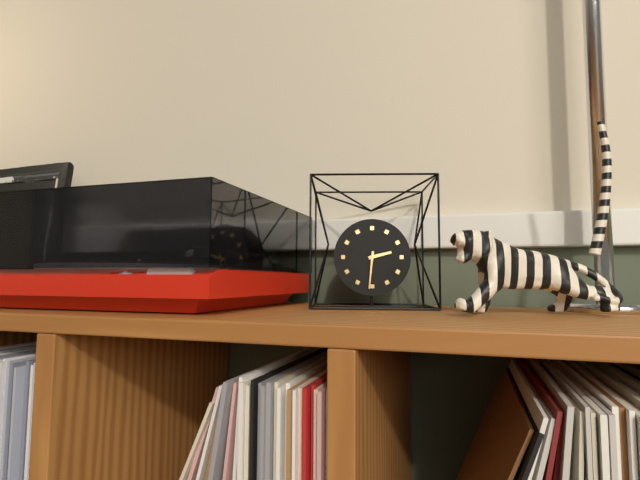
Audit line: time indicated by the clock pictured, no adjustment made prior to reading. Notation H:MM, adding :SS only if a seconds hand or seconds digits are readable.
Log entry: 2:31
